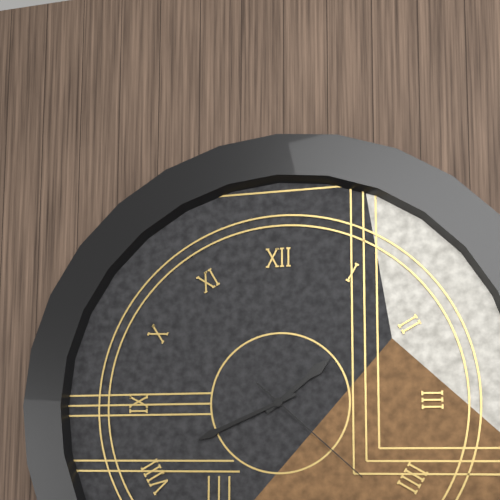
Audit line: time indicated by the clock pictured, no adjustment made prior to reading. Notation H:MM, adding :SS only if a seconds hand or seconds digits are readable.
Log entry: 1:41:22
